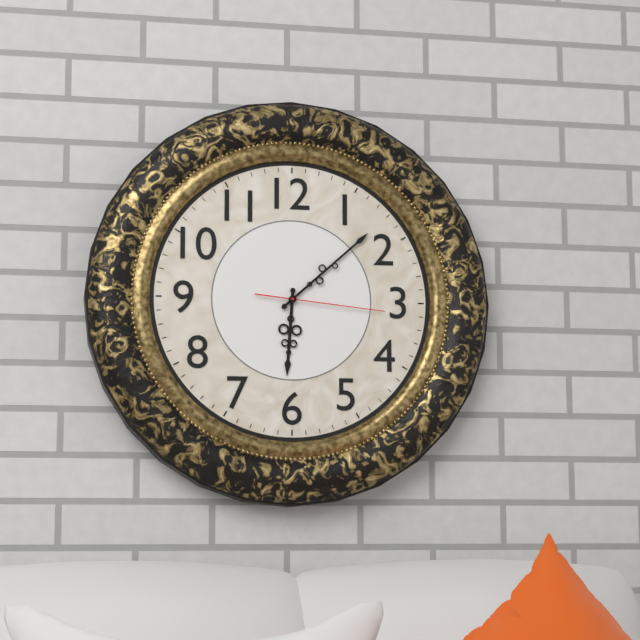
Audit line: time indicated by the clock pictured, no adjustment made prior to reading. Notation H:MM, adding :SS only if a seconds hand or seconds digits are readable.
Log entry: 6:08:16
